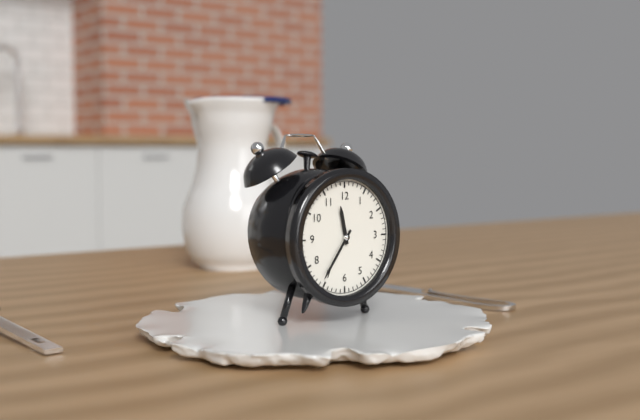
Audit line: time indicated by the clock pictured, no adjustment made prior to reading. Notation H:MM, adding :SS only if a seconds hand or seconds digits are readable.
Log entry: 11:36
